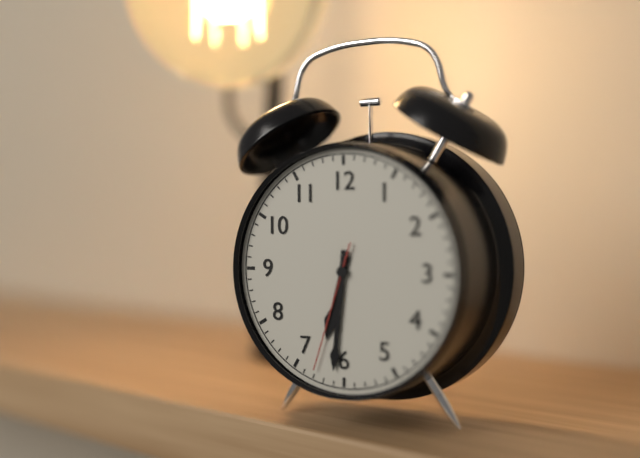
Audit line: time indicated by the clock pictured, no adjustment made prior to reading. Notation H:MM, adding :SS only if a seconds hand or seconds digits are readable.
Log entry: 6:31:33
